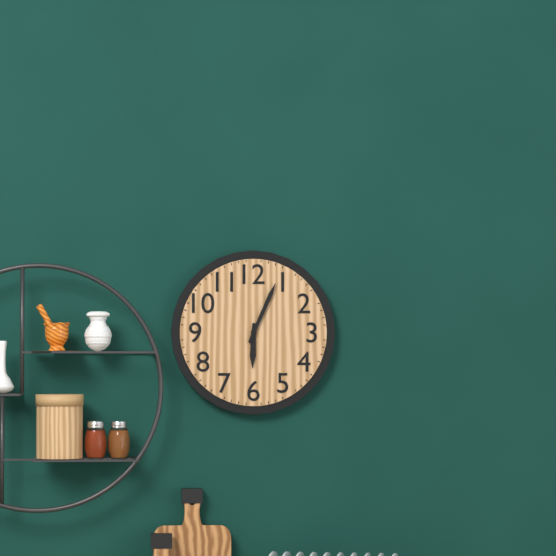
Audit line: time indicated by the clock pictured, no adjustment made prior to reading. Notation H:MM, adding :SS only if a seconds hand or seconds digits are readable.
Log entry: 6:04
